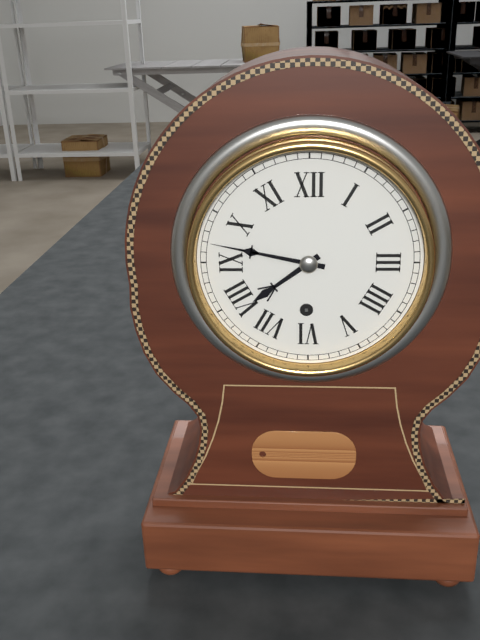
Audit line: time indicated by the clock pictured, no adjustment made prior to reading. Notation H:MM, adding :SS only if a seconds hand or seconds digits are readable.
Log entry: 7:47
